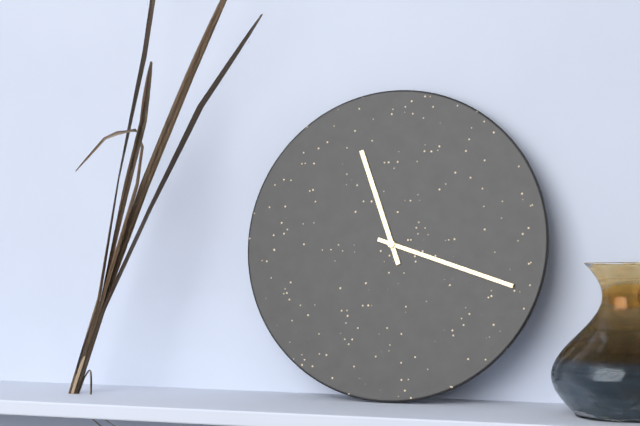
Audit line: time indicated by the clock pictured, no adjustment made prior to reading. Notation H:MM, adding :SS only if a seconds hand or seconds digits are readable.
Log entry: 11:18
